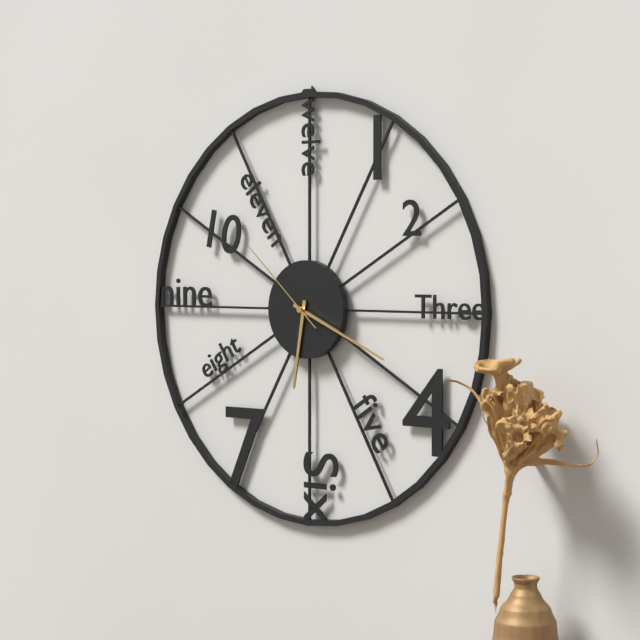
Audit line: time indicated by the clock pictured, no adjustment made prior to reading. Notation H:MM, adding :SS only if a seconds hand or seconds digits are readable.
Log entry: 6:19:52
